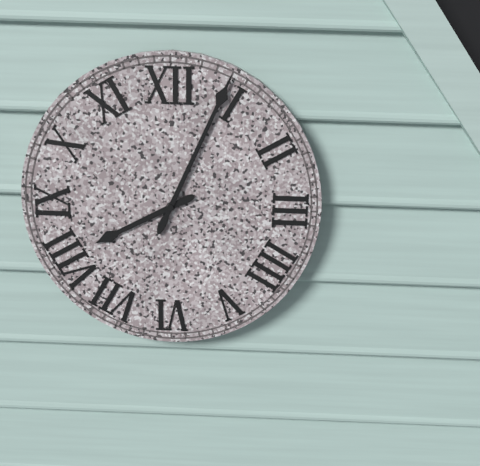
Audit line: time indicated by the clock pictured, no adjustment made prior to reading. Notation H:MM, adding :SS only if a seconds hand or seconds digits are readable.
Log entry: 8:04
